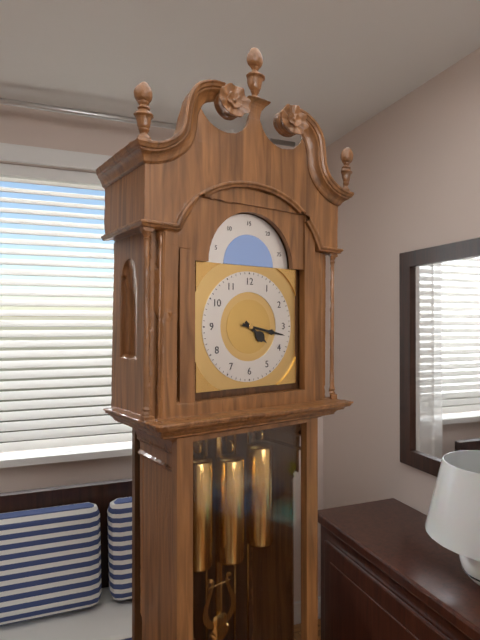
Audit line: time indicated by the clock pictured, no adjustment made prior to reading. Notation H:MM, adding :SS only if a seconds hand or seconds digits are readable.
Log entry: 4:17
